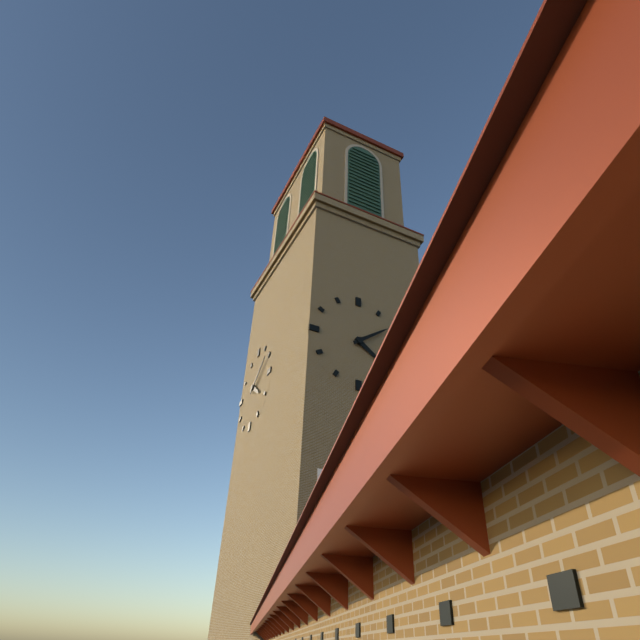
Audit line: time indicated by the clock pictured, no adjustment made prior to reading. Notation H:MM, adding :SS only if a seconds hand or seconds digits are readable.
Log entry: 4:09
